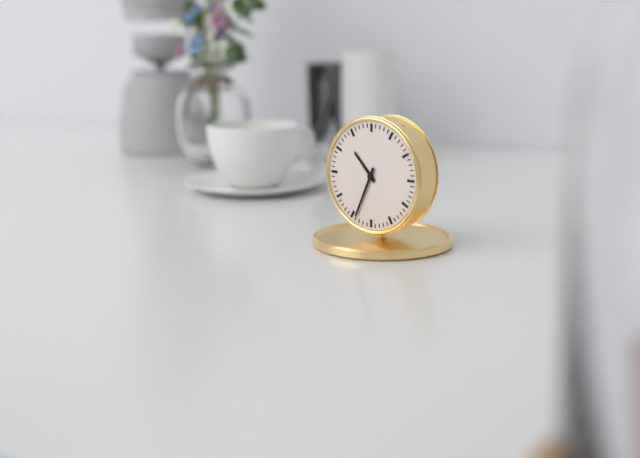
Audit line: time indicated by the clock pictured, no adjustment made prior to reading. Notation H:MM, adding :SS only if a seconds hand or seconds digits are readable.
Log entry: 10:34
